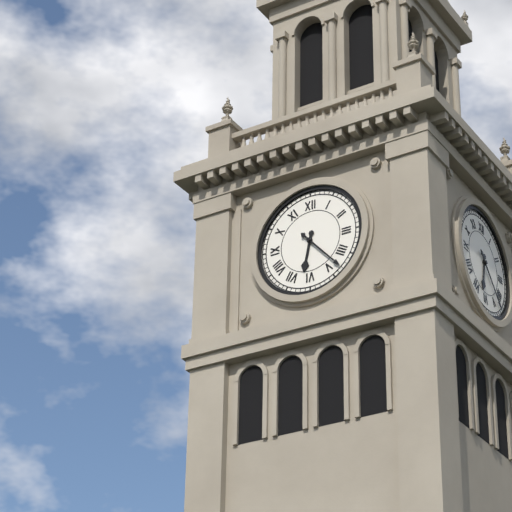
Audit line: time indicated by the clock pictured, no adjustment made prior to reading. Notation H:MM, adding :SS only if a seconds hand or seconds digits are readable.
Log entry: 6:23
